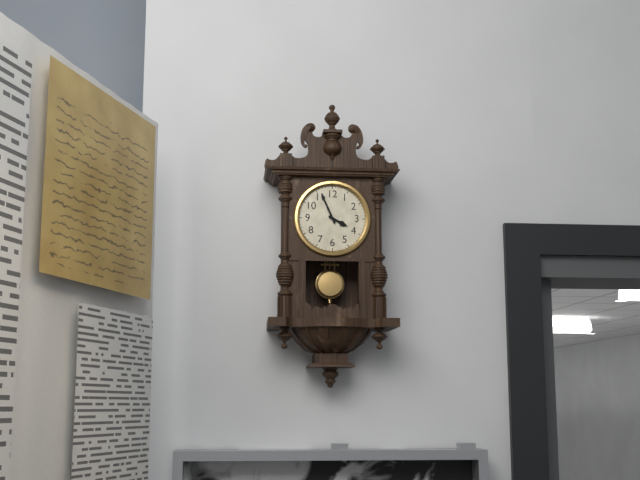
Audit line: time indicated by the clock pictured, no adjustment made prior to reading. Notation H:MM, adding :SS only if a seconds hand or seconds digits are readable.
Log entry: 3:56
